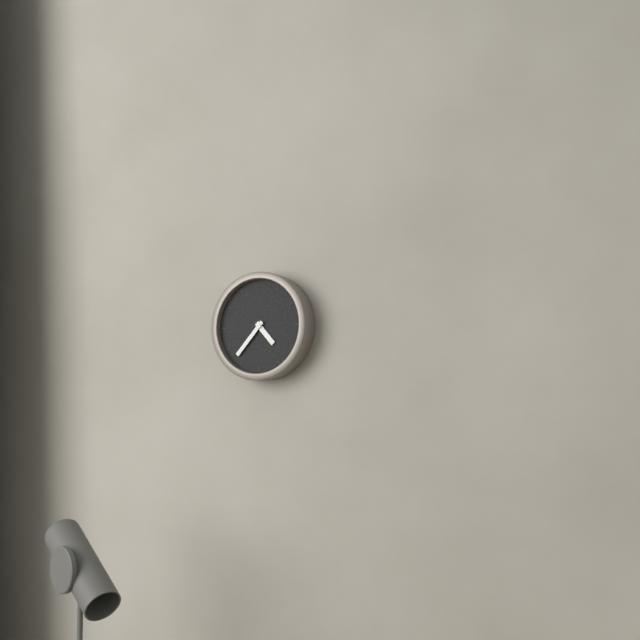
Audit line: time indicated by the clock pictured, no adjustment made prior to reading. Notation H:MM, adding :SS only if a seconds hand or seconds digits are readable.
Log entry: 4:37
